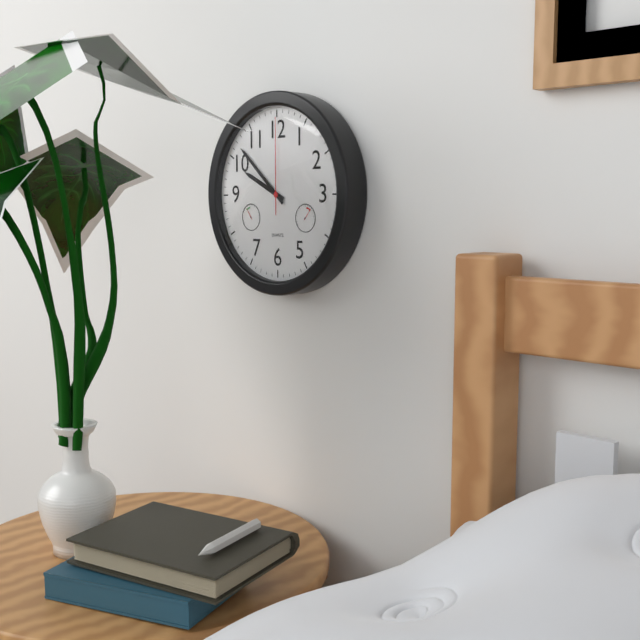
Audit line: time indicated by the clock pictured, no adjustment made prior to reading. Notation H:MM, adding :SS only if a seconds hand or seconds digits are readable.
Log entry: 9:52:00
